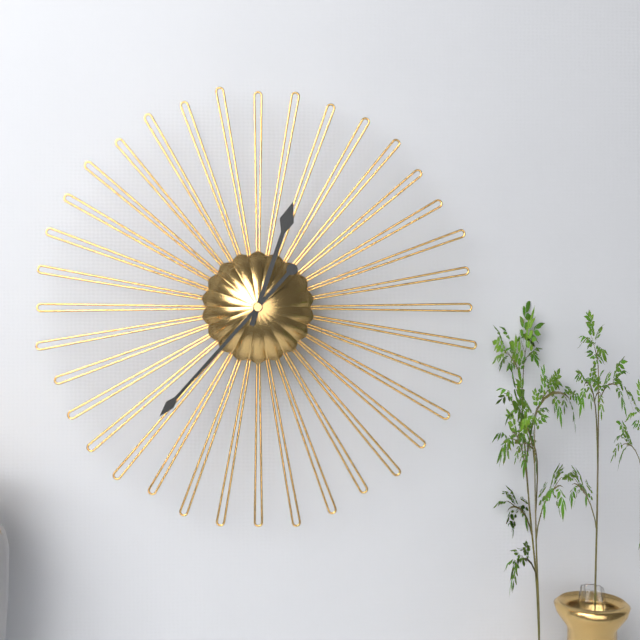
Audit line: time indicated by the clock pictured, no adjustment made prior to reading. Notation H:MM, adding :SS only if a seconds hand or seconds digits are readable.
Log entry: 12:37
